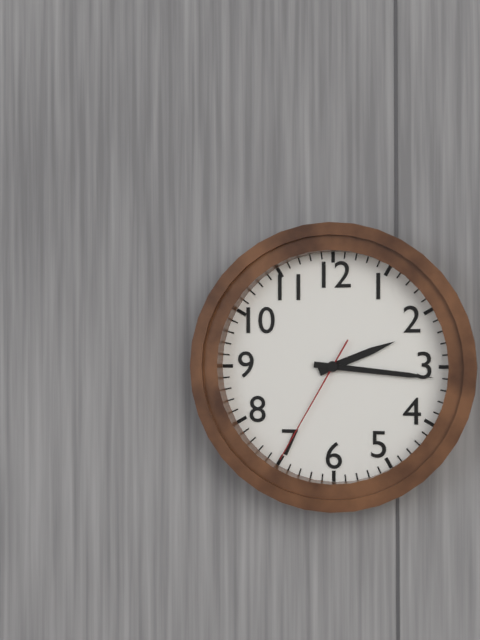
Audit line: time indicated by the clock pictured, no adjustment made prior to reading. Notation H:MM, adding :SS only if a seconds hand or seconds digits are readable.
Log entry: 2:16:35
